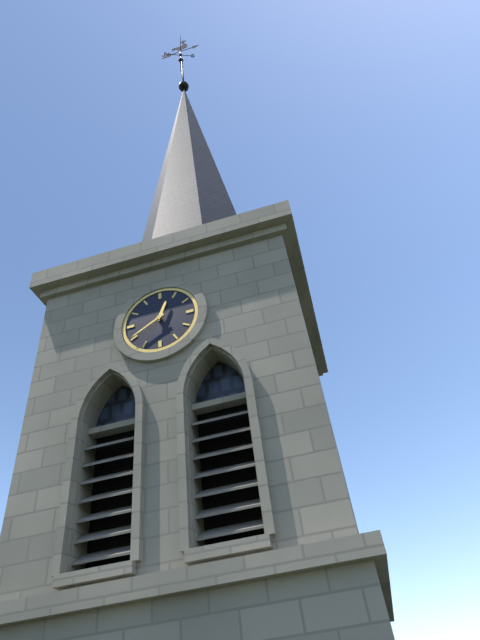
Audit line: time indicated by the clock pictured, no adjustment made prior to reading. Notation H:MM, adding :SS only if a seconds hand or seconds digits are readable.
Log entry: 12:40
